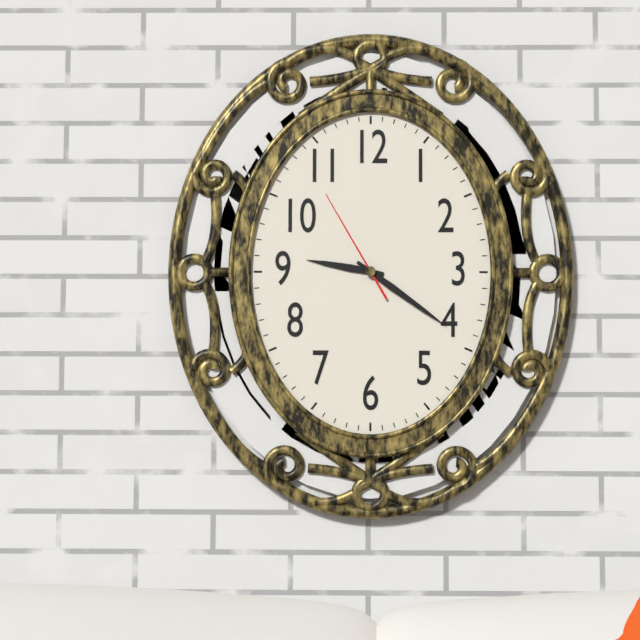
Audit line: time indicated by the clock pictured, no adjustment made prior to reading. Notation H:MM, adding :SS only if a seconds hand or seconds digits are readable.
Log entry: 9:21:55
